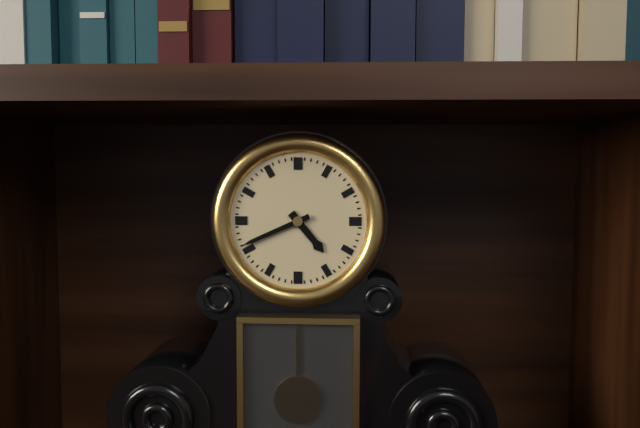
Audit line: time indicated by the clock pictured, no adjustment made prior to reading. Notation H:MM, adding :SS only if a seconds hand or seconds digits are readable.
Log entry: 4:41
